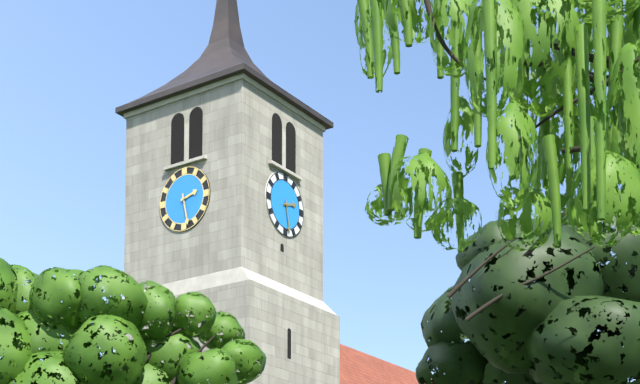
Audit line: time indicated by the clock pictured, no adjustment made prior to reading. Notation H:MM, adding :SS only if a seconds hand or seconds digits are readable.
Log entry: 2:28
